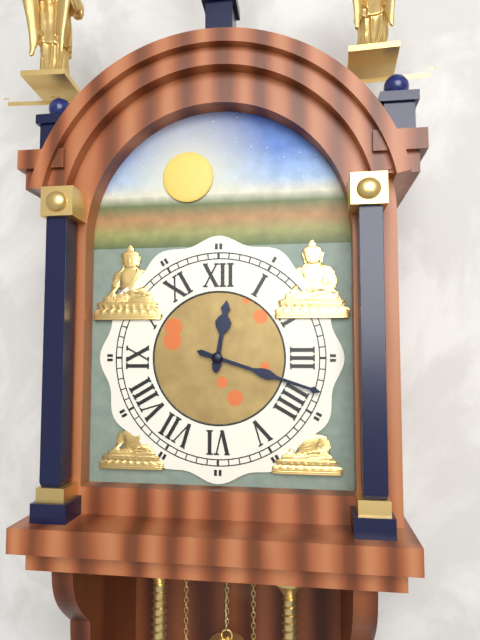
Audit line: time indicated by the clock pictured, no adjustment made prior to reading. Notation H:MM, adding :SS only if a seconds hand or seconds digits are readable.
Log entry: 12:18
